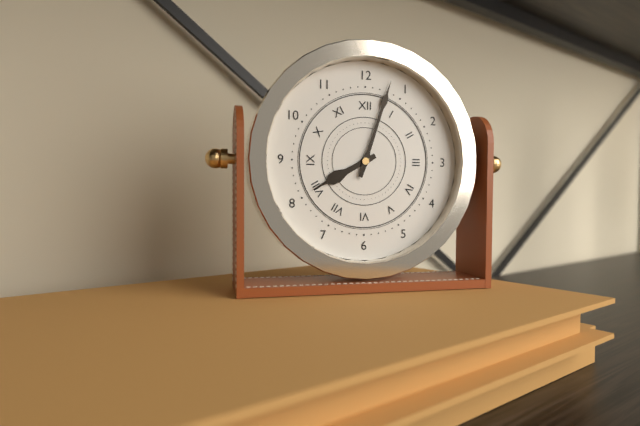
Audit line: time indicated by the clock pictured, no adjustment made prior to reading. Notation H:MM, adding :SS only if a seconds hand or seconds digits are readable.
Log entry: 8:03
